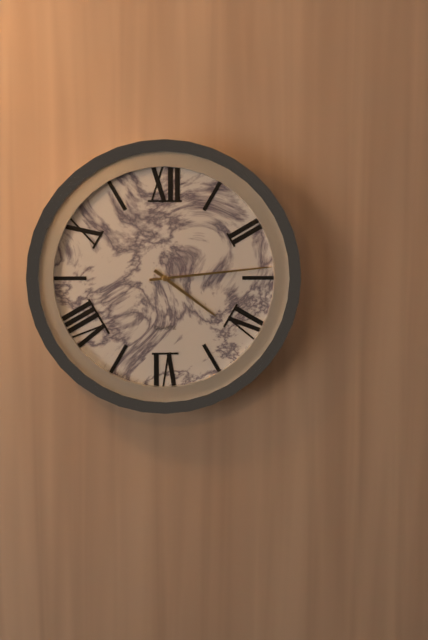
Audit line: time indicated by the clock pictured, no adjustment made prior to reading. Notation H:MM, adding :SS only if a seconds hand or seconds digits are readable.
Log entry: 4:14
